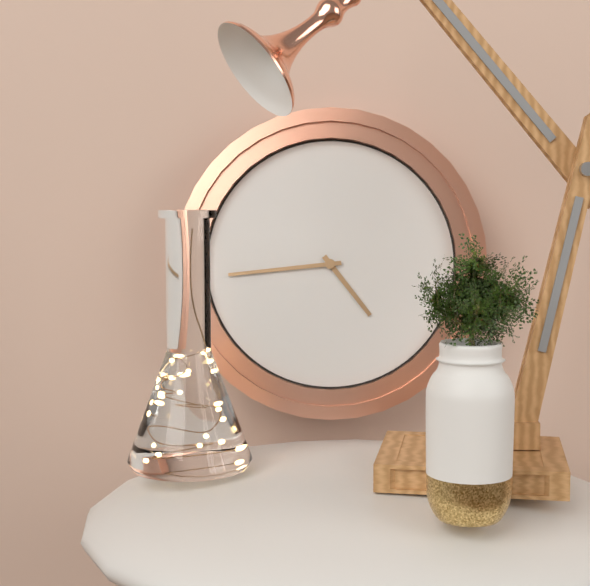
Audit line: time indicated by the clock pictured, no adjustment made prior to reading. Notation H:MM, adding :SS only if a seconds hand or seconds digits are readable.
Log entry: 4:44
